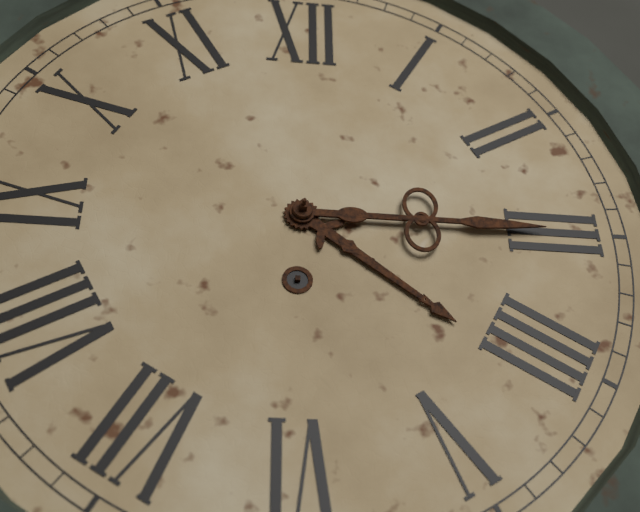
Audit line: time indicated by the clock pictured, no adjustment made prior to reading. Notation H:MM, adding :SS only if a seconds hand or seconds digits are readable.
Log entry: 4:15
